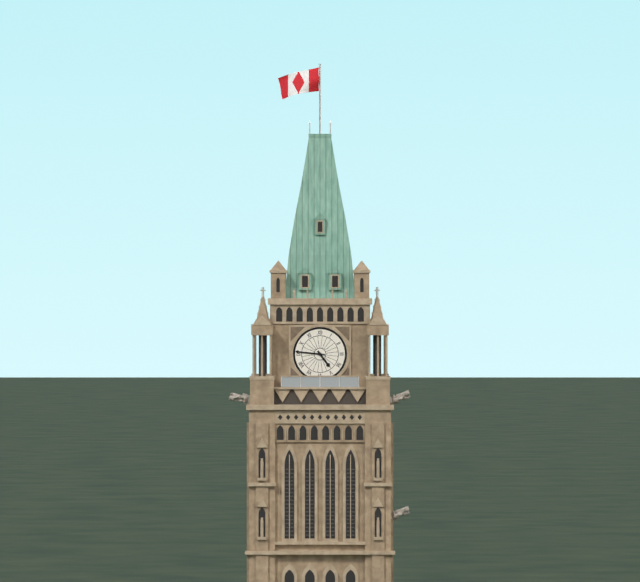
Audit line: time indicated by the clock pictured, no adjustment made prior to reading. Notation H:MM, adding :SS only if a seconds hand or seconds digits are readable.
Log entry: 4:46
